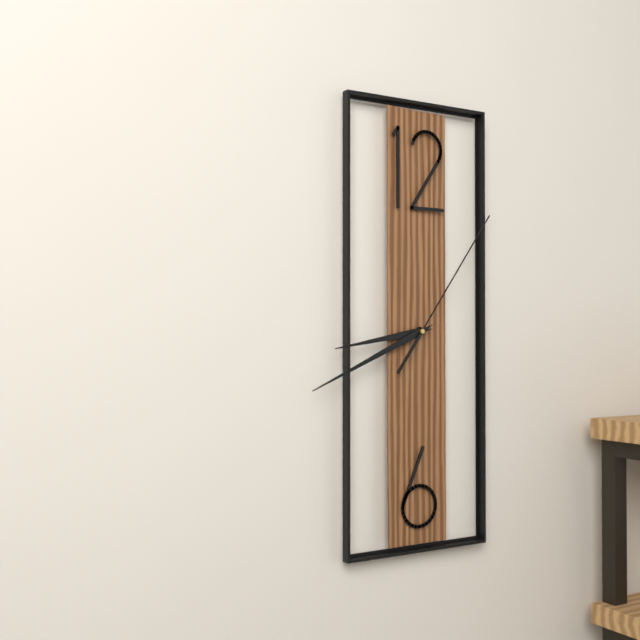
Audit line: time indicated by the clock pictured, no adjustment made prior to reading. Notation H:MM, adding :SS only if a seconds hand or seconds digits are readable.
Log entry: 8:41:06
